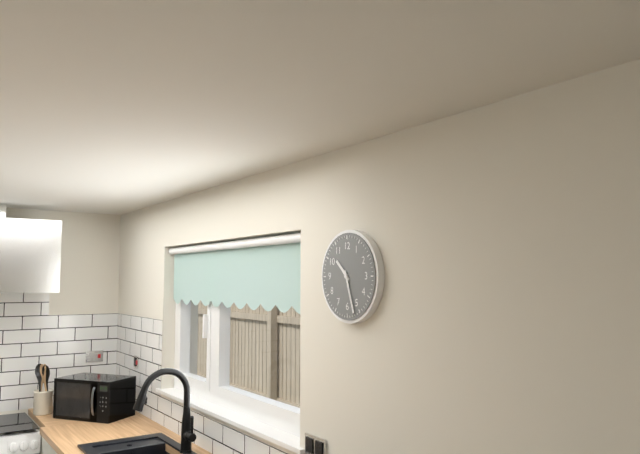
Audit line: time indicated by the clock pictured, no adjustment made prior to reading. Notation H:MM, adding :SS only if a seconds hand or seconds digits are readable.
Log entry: 10:27
